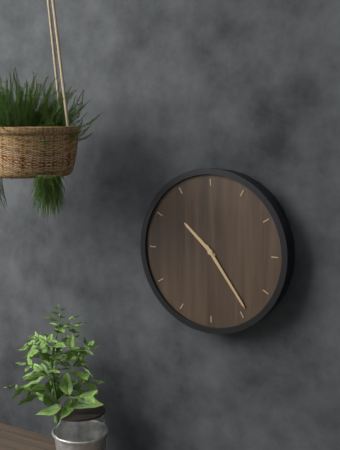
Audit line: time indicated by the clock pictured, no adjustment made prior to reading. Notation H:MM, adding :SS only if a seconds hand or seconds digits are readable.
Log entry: 10:24
